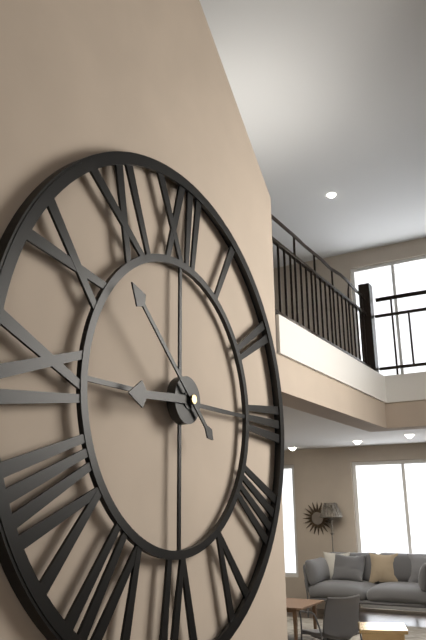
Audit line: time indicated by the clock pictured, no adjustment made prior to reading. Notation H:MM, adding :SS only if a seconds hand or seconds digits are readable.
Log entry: 8:52
